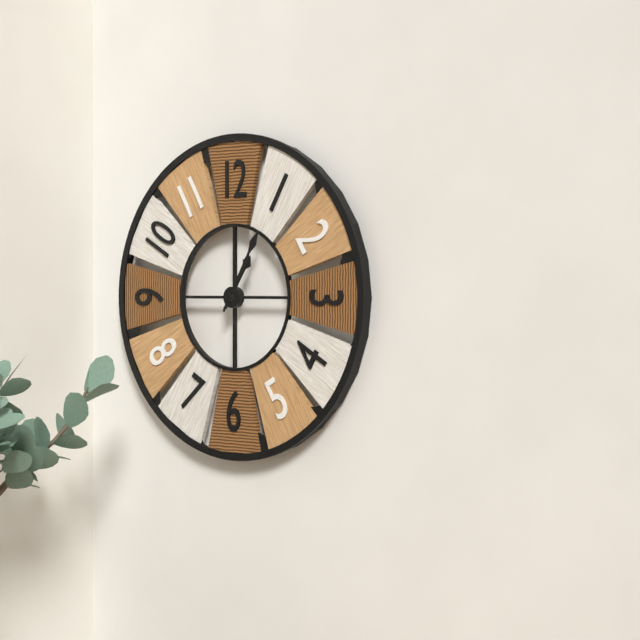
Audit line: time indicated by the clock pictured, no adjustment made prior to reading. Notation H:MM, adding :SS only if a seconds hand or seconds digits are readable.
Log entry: 1:05
